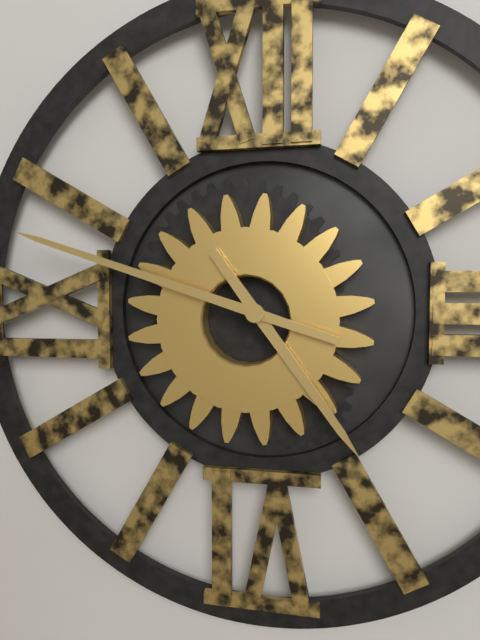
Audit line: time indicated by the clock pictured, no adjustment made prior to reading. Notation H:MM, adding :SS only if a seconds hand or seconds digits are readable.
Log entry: 4:48
